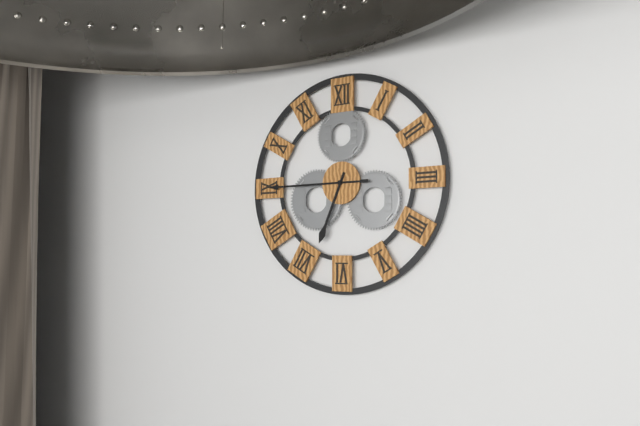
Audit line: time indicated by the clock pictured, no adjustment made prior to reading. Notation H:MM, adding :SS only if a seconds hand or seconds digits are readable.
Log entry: 6:45
